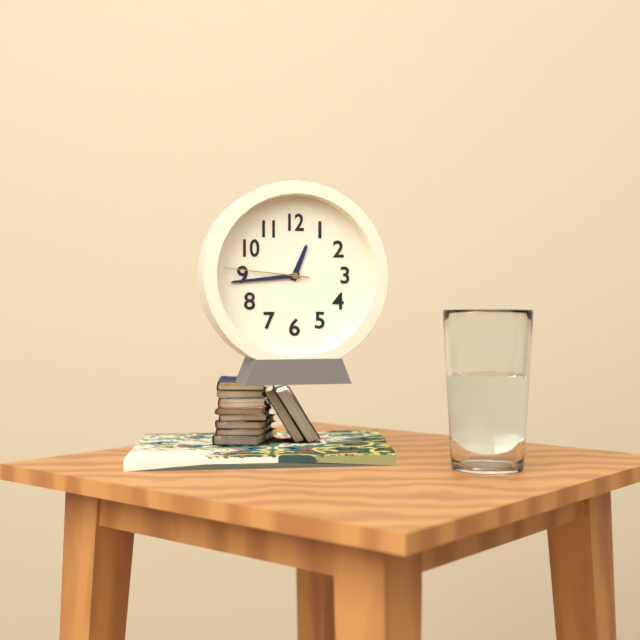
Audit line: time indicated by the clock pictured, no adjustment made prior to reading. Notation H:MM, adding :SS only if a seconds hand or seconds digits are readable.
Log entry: 12:44:46
